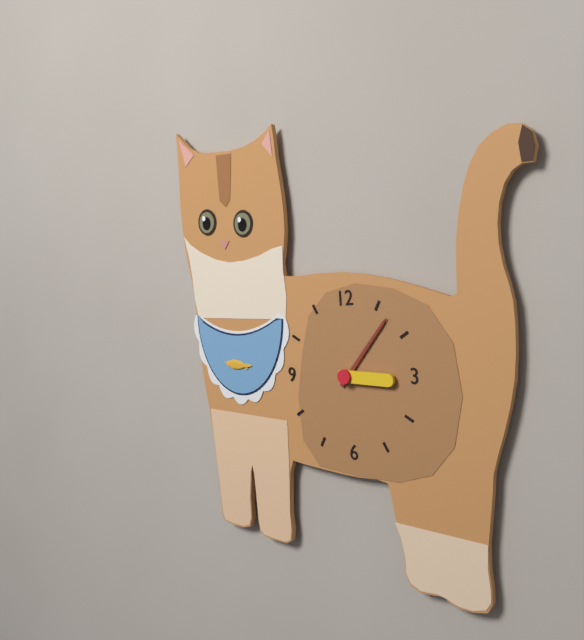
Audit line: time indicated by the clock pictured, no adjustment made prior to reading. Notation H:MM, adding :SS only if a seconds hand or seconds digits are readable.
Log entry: 3:07
